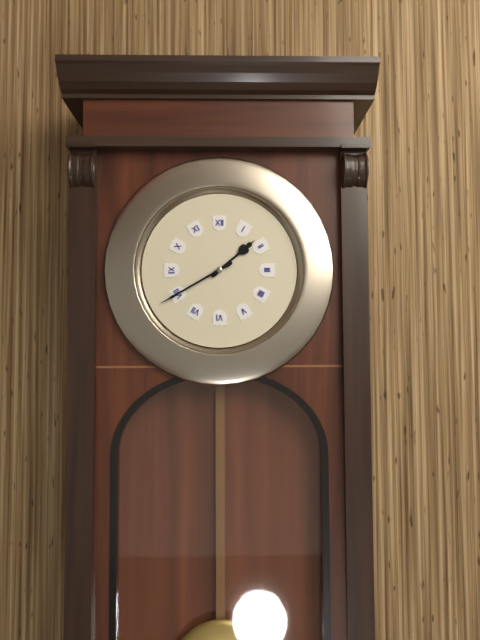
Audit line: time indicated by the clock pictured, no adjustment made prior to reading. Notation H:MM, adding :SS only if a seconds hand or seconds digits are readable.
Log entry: 1:40
